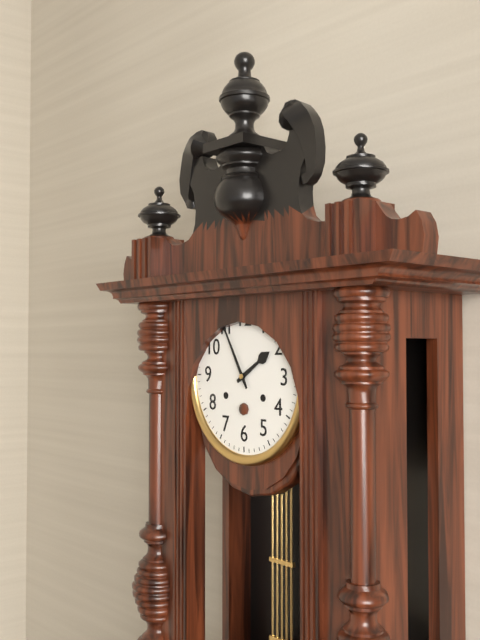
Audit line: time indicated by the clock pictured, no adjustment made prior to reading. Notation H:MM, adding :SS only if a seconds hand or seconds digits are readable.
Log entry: 1:55
